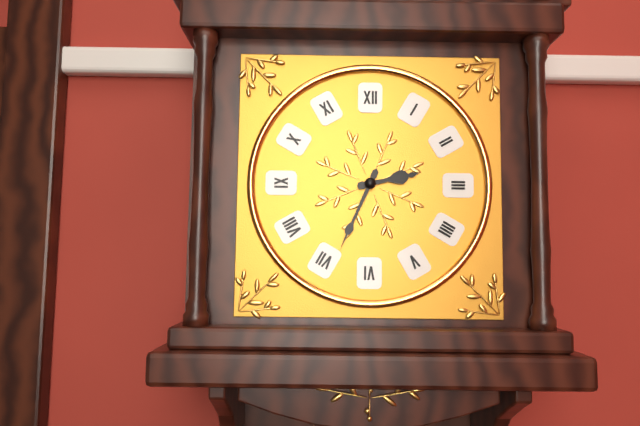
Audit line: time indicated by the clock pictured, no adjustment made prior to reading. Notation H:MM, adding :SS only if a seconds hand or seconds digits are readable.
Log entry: 2:34
